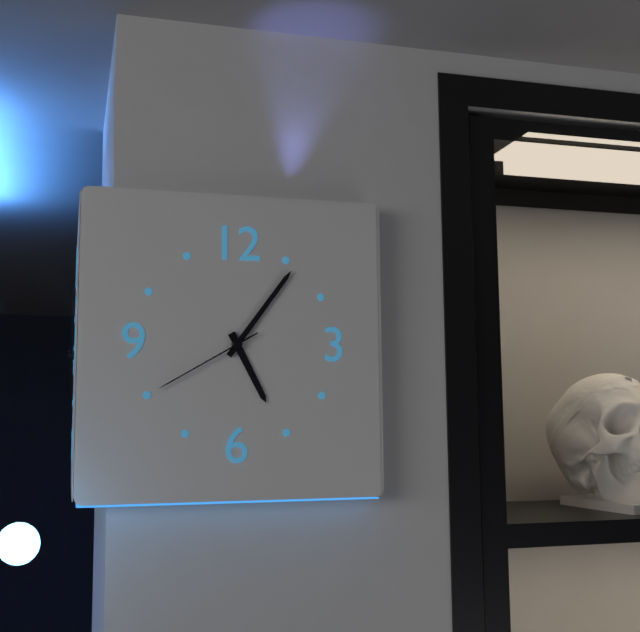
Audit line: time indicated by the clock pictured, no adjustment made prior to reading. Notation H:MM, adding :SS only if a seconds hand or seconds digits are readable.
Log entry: 5:06:40
